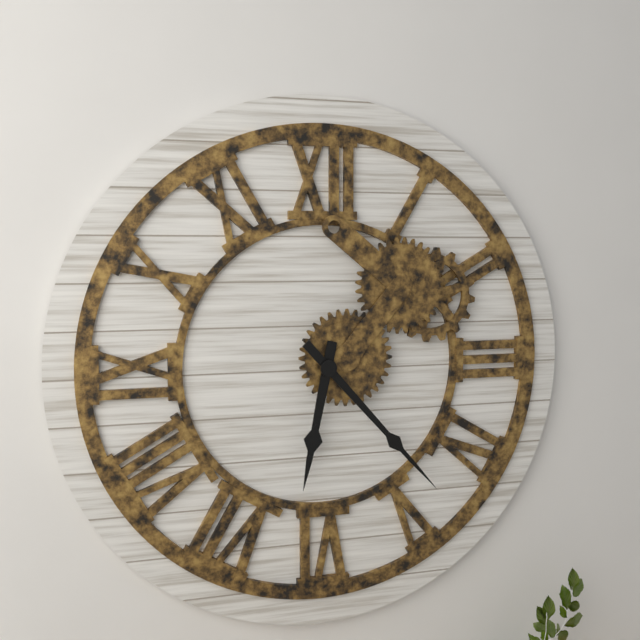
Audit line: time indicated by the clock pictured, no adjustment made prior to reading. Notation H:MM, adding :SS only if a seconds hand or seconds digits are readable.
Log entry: 6:23
